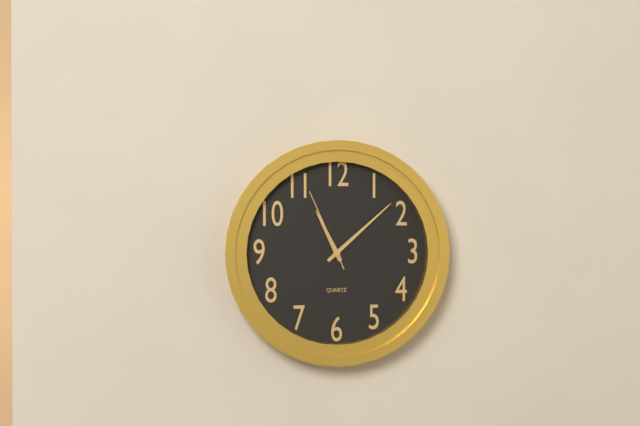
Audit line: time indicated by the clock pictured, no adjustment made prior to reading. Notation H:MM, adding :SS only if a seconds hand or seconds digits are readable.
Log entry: 11:08:56
